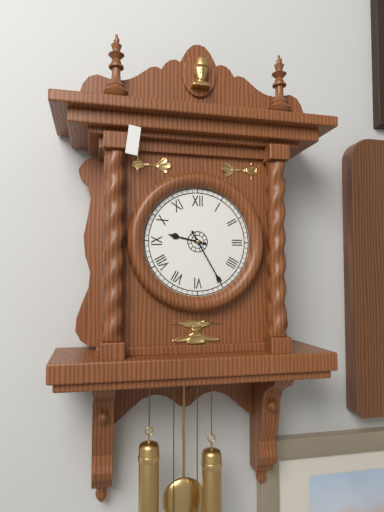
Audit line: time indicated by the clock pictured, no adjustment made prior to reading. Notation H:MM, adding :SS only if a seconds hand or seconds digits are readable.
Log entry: 9:25
